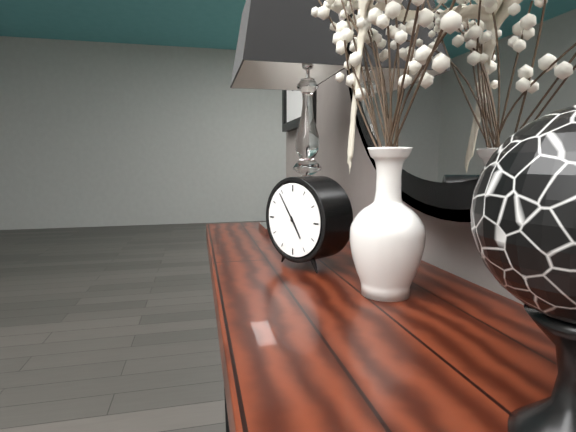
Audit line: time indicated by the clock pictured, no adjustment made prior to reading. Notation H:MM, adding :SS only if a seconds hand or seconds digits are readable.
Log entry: 4:54
